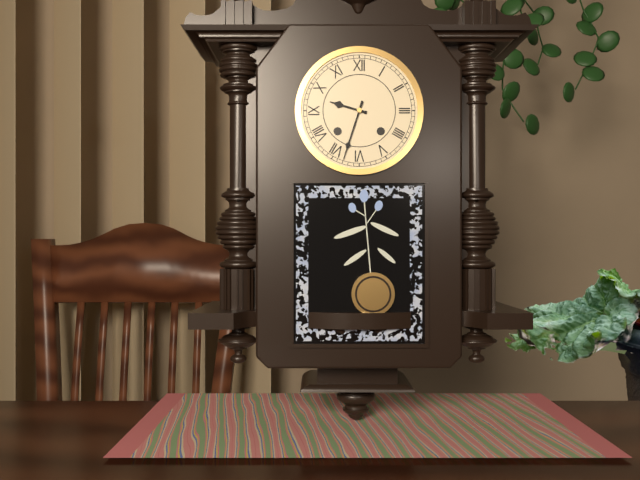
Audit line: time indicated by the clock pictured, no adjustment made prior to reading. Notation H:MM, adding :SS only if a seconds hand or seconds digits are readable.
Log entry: 9:33
